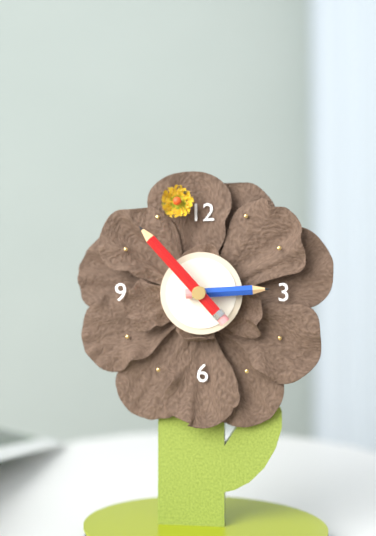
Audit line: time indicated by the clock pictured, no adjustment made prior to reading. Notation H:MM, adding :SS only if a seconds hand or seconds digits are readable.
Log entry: 2:53
